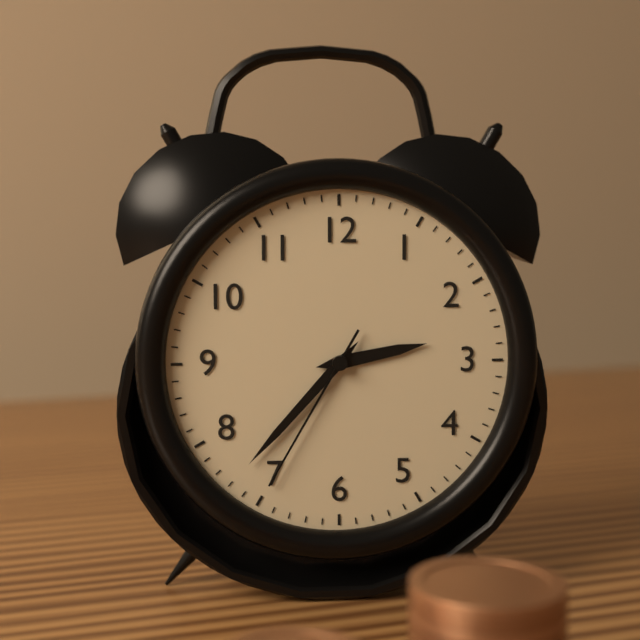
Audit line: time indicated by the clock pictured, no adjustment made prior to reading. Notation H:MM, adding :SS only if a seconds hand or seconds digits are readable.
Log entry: 2:37:35
